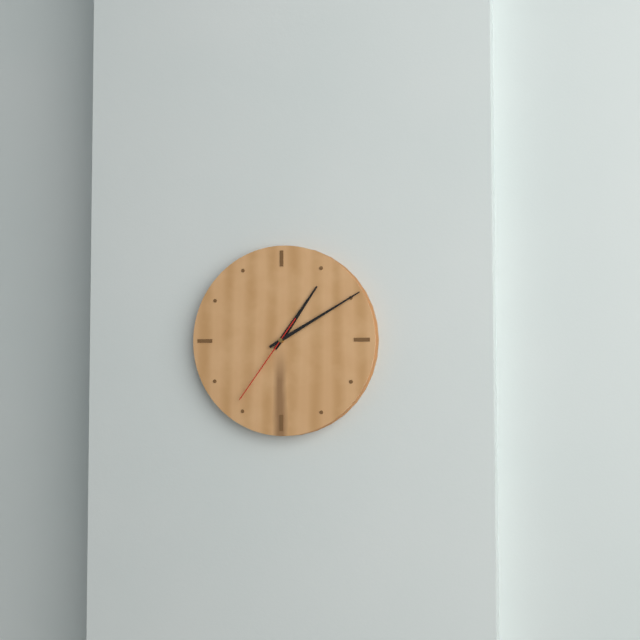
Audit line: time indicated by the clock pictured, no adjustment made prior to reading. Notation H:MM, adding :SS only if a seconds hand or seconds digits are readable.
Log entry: 1:10:36
